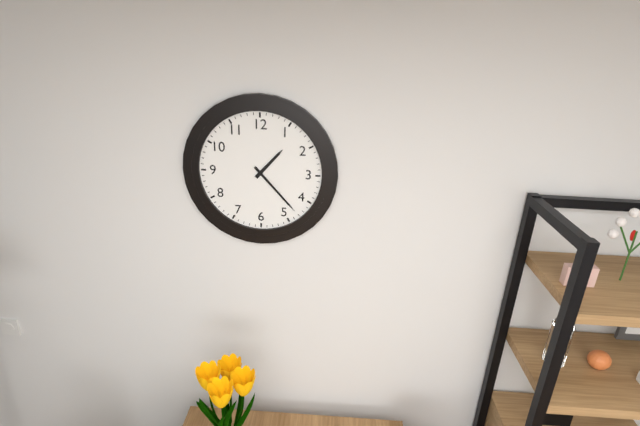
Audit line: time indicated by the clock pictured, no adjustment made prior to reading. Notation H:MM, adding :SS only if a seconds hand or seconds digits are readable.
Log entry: 1:23
